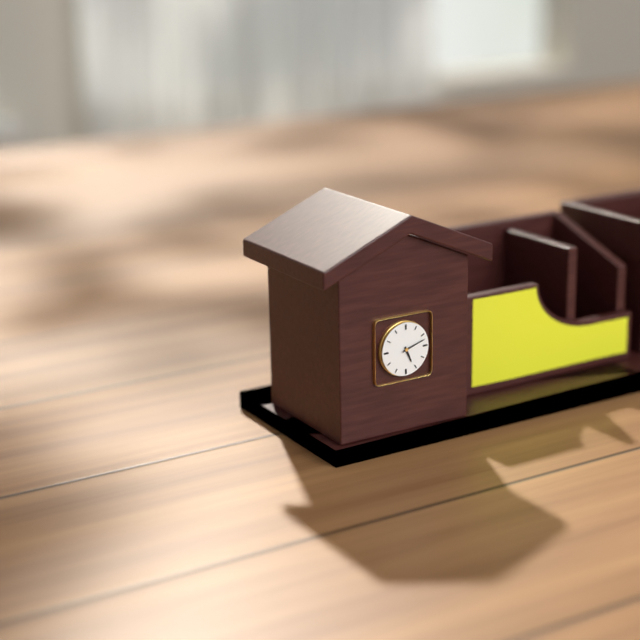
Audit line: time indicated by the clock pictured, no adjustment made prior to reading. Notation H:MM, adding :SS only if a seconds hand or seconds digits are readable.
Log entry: 5:12
